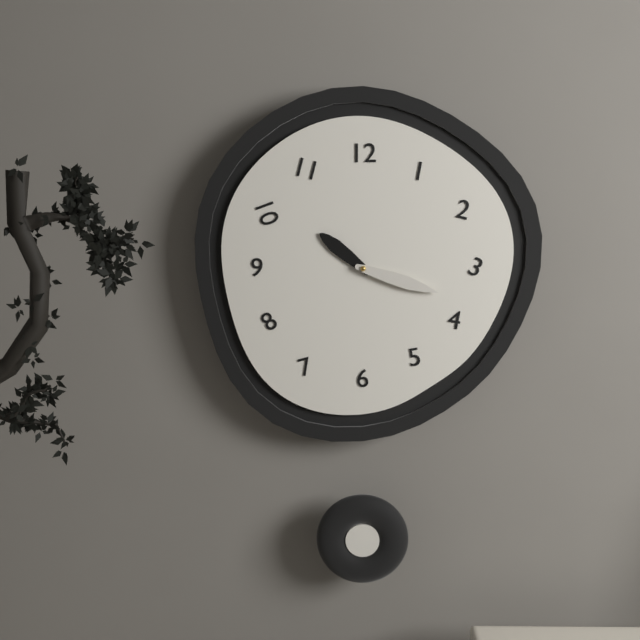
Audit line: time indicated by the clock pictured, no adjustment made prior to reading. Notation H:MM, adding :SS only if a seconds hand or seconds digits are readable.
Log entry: 10:18
